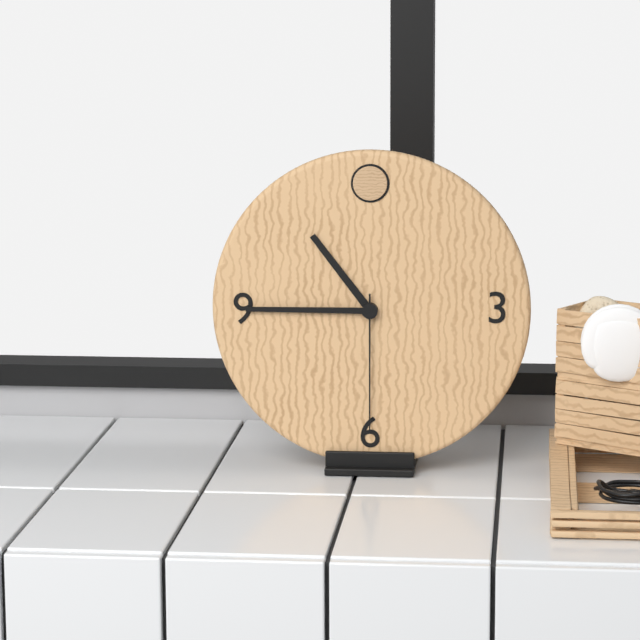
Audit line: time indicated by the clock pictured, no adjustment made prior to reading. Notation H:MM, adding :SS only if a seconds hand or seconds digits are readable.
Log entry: 10:45:30
